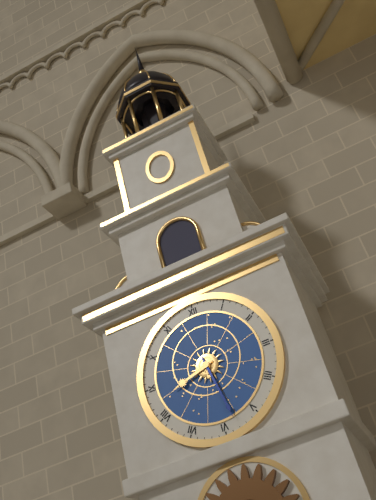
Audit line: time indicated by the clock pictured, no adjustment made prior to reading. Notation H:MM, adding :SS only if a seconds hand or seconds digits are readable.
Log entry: 8:28
